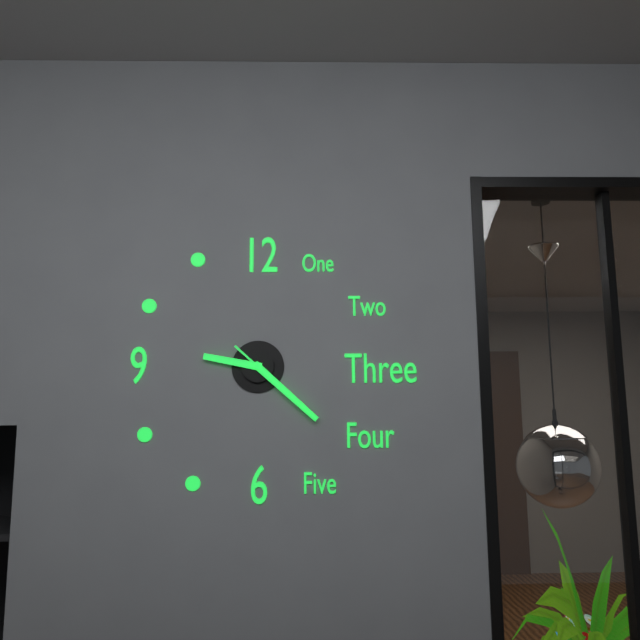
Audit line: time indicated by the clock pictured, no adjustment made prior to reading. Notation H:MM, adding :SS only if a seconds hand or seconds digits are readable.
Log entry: 9:22:22
